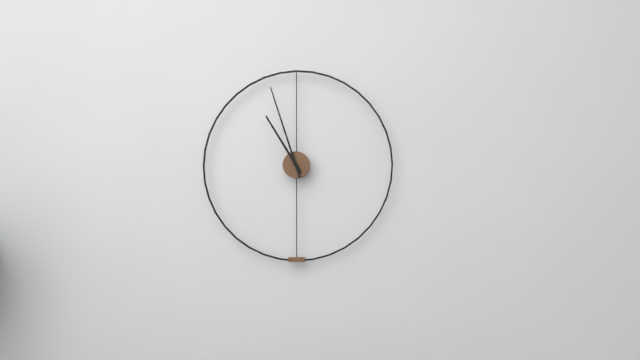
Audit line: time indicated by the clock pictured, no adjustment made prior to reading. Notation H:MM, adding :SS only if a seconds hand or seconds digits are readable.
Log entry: 10:57
